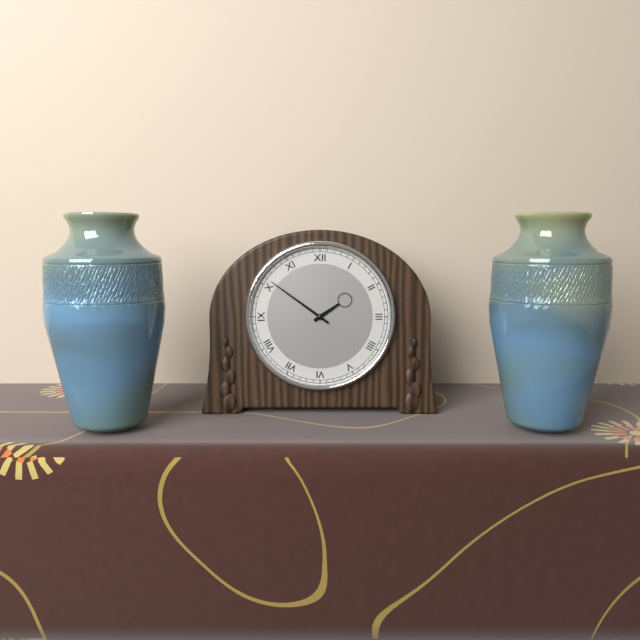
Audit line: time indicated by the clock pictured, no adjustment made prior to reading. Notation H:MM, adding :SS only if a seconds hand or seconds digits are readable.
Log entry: 1:51
